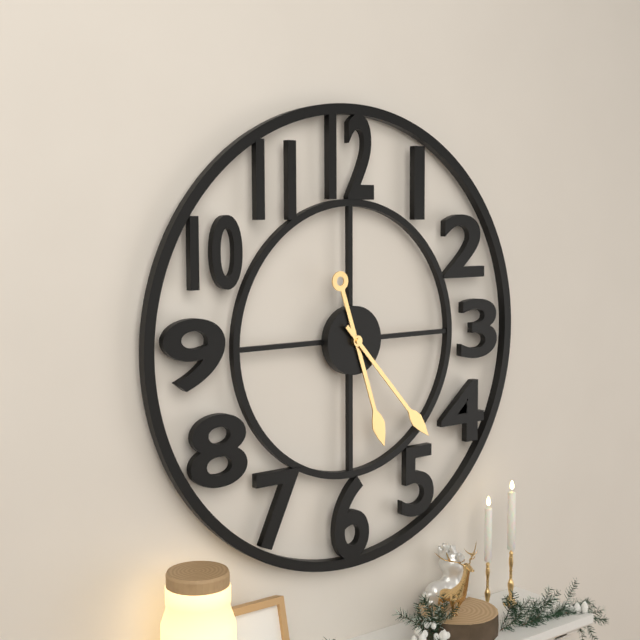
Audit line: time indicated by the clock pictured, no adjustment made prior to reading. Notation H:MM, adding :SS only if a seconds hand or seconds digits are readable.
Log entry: 5:23
